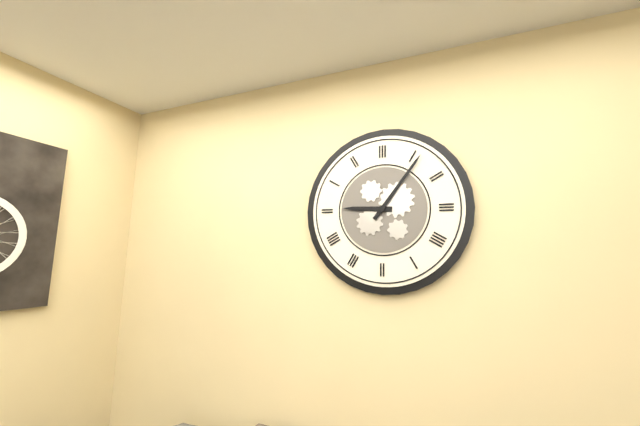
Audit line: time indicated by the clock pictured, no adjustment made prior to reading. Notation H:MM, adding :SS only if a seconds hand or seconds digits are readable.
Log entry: 9:06
